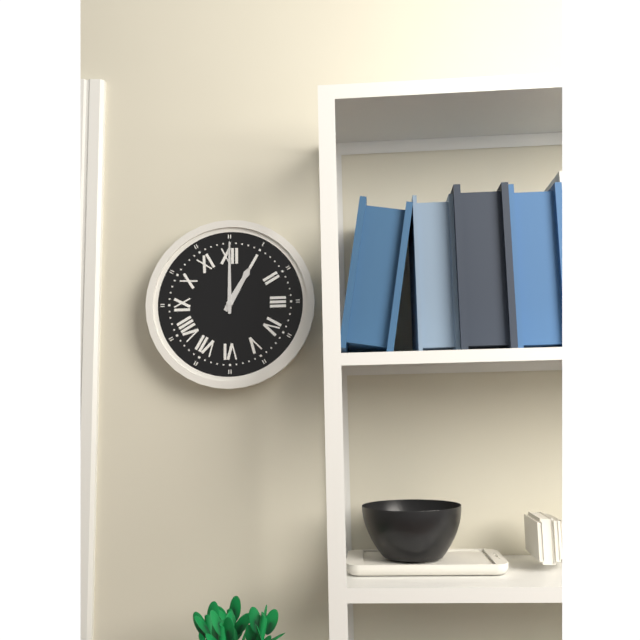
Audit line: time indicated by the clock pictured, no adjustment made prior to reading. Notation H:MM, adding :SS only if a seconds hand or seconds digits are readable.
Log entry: 1:00
